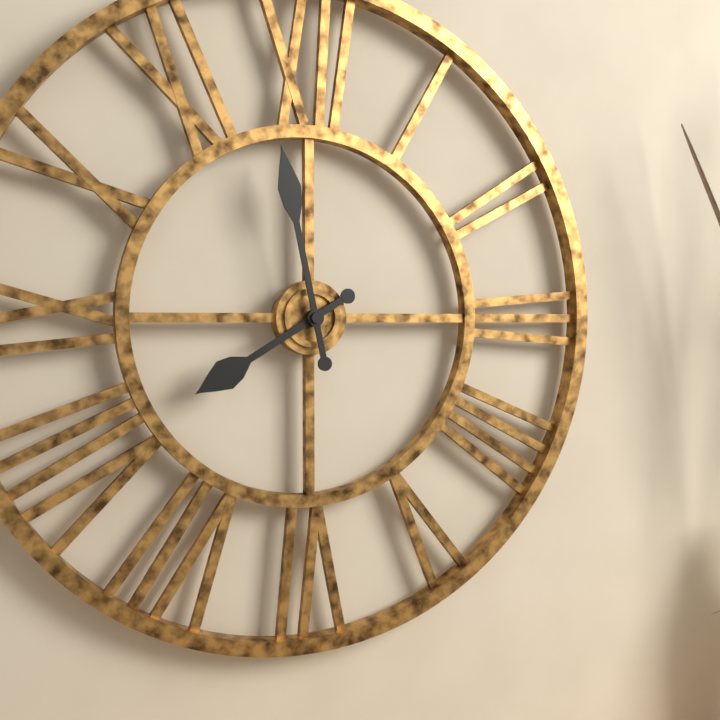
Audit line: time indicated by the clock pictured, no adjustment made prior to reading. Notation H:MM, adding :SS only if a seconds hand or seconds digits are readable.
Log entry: 7:58
